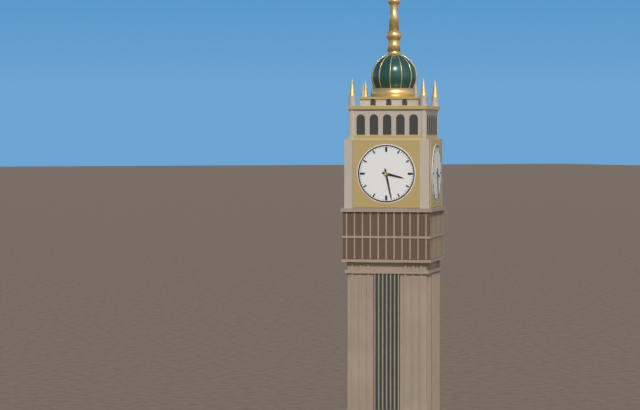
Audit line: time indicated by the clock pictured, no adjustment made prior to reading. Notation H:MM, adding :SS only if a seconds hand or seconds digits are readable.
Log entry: 3:28
